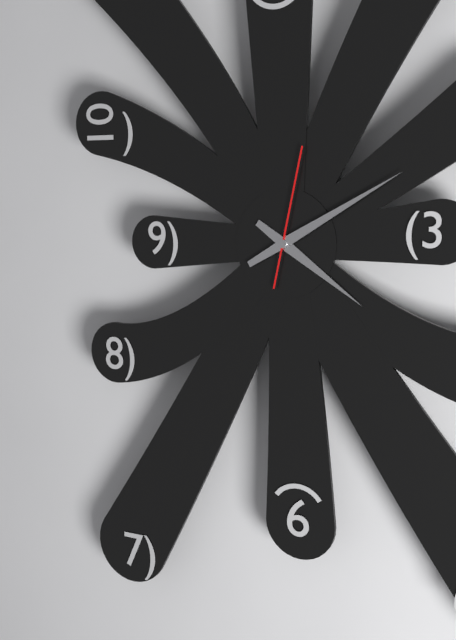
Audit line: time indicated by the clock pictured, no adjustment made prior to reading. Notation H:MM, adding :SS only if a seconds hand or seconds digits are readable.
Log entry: 4:10:02
